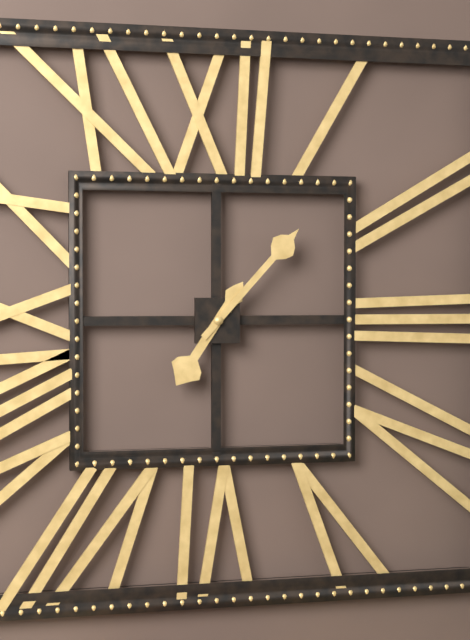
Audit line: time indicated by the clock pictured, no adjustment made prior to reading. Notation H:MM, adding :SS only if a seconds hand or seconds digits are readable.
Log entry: 7:07
